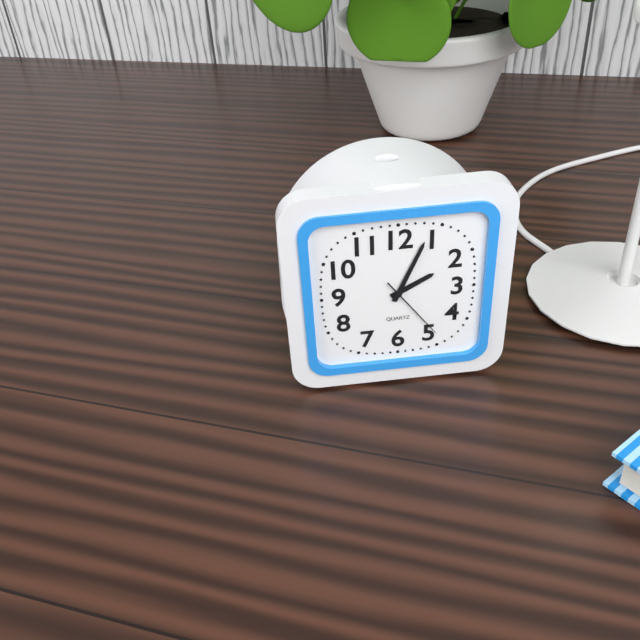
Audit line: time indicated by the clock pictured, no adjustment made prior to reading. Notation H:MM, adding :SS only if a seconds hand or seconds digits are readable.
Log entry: 2:04:24
